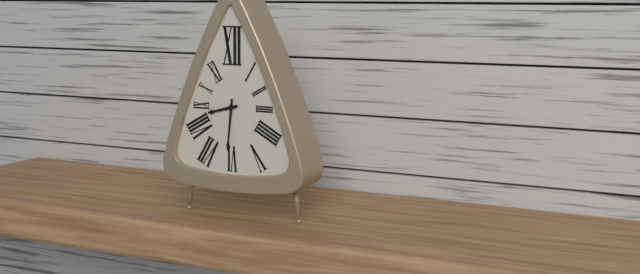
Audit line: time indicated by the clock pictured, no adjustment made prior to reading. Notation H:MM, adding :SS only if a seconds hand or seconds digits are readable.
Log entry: 8:31
